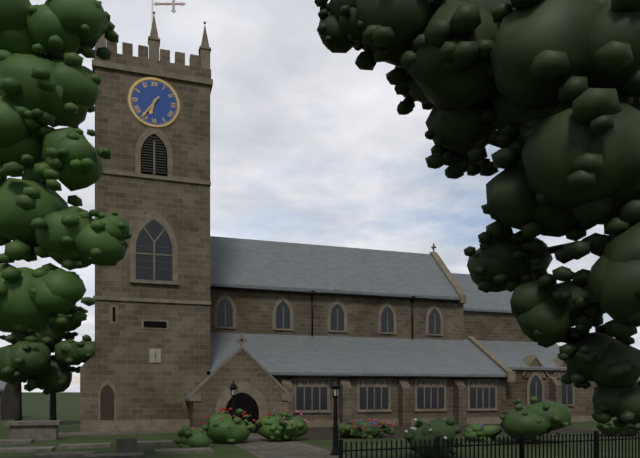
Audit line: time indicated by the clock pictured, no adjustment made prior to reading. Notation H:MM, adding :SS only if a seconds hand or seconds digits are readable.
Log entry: 6:36
